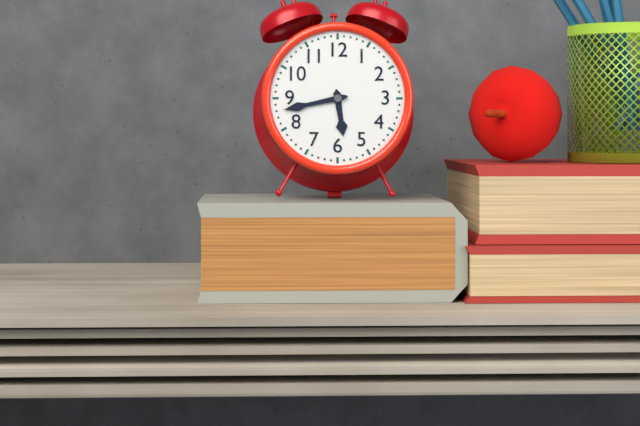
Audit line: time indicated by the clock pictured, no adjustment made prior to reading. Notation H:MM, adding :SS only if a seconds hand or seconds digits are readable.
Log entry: 5:43
